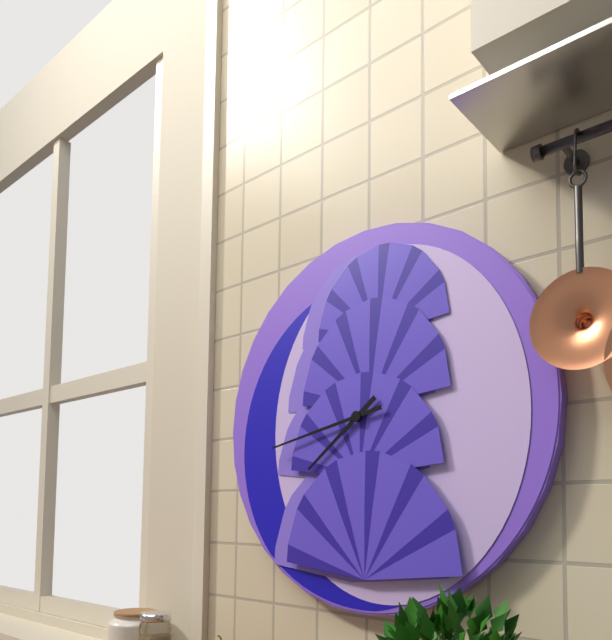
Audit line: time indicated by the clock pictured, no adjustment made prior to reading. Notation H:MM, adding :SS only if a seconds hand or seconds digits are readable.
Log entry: 7:43
